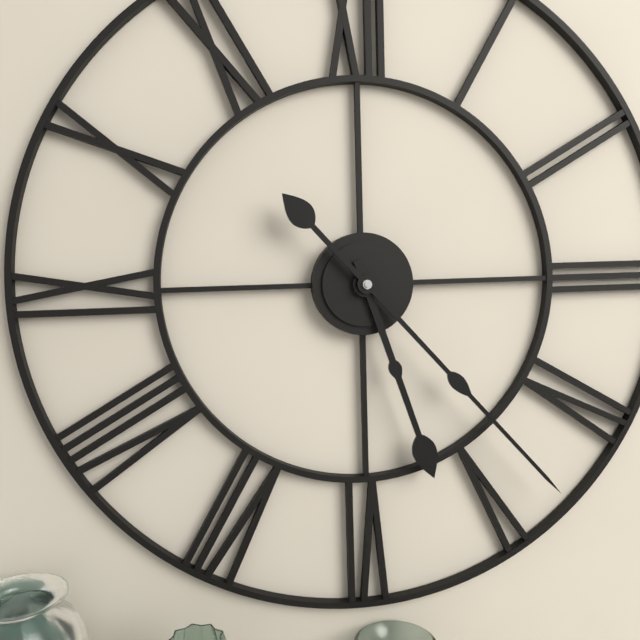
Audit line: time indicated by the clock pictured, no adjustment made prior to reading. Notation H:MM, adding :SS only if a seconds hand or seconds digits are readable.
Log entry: 5:23
